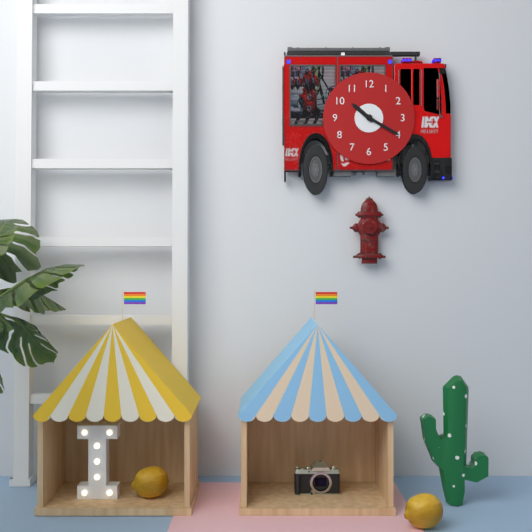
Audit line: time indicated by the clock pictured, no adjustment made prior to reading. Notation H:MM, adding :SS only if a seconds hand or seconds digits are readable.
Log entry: 10:20
